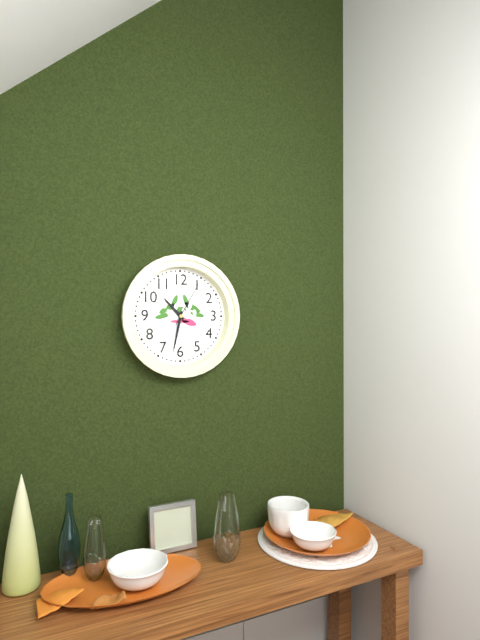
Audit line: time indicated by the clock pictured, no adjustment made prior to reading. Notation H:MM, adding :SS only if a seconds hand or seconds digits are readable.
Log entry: 10:32
